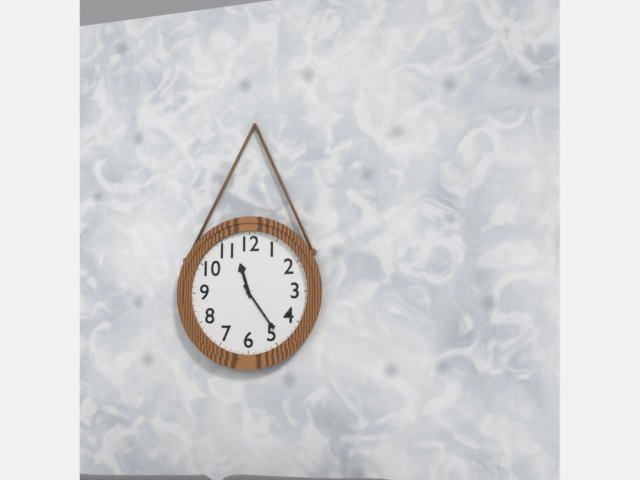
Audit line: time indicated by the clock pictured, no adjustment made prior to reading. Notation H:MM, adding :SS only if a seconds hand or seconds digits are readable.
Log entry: 11:24
